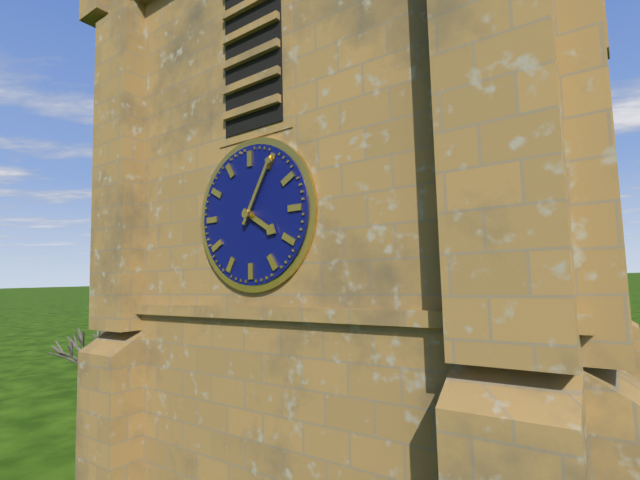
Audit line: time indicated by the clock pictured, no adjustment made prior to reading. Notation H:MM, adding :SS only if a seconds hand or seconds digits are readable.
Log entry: 4:05
